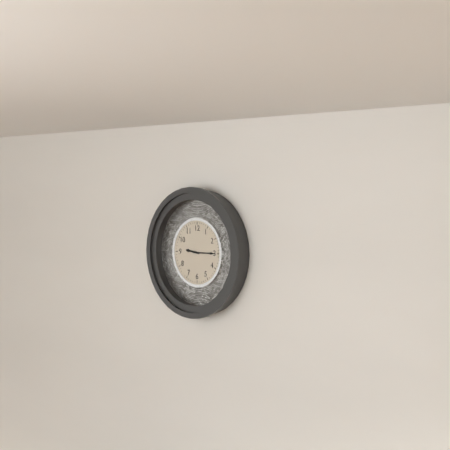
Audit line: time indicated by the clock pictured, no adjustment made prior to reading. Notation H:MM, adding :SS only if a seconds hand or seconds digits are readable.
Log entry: 9:15
